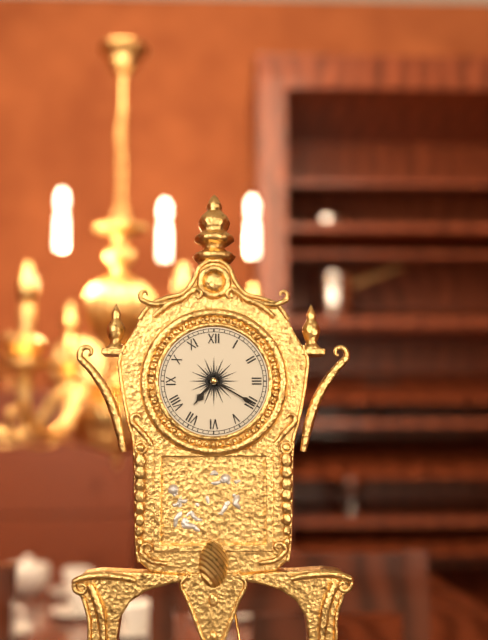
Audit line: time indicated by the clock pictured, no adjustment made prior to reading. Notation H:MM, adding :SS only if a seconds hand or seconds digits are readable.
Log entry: 7:20
